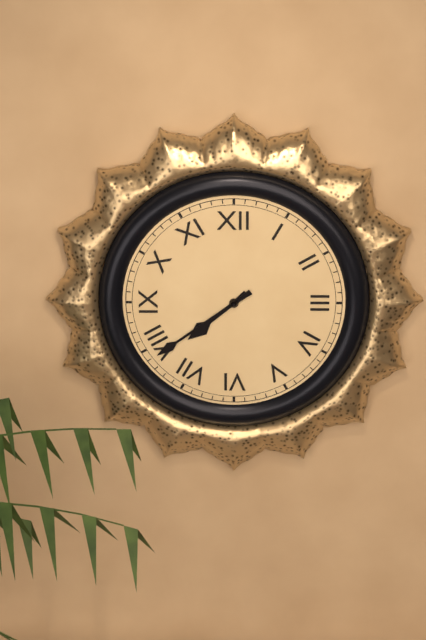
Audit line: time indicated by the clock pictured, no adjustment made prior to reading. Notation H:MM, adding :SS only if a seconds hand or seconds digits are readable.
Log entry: 7:39
